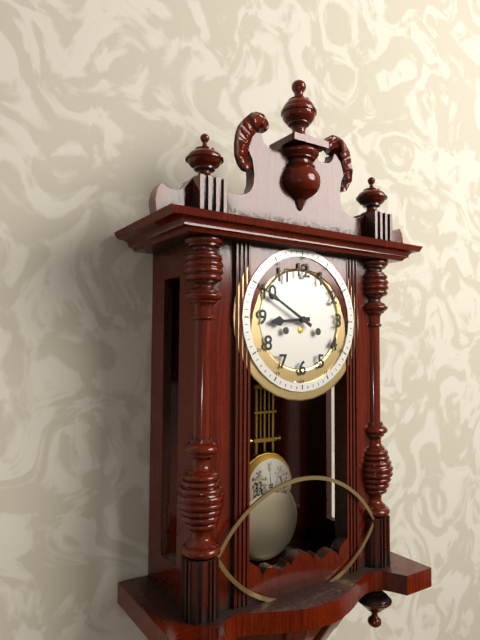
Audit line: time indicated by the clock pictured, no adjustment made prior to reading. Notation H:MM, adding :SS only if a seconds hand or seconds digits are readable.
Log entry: 8:50
